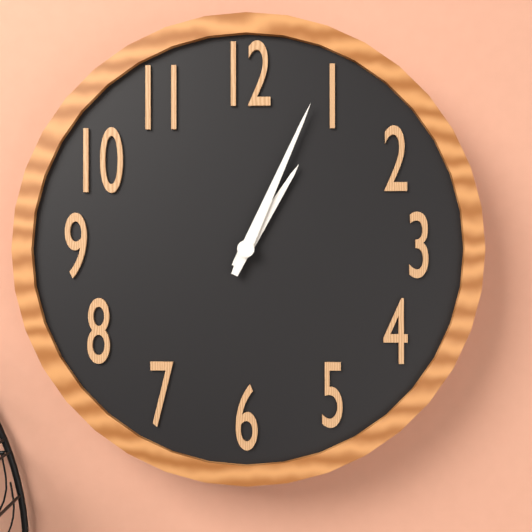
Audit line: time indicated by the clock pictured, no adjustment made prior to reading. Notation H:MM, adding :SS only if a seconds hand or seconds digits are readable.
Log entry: 1:04
